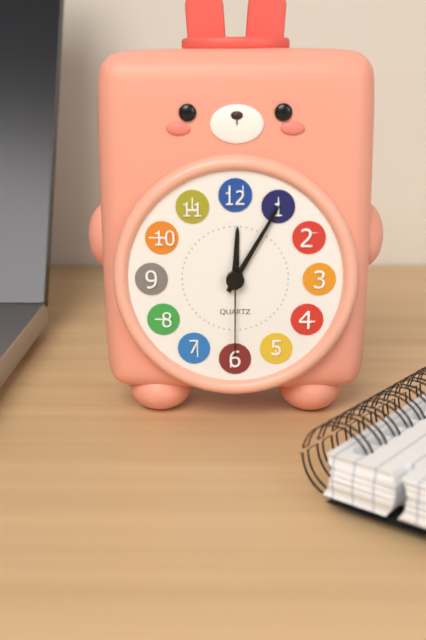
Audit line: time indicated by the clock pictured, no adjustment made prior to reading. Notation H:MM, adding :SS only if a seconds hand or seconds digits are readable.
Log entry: 12:05:30
